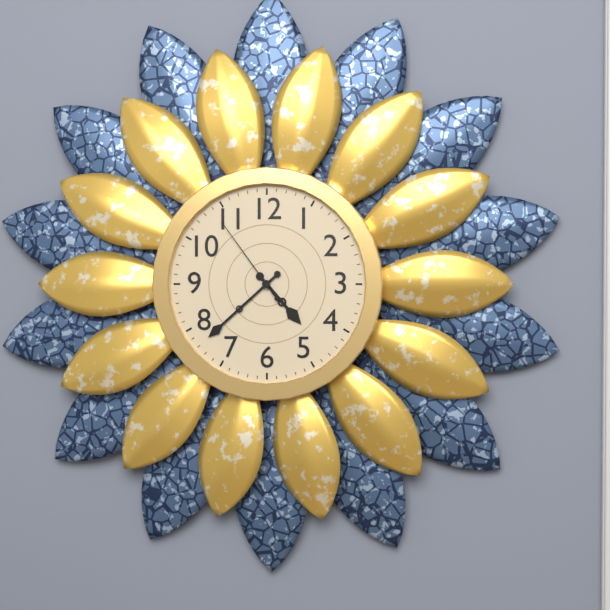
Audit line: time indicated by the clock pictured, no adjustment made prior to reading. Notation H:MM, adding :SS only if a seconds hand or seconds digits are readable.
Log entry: 4:38:54
